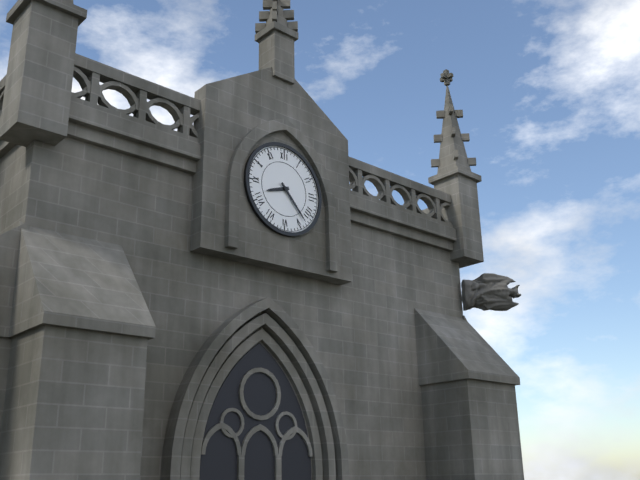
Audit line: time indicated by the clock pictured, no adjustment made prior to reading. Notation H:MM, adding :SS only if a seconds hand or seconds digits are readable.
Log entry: 8:23
